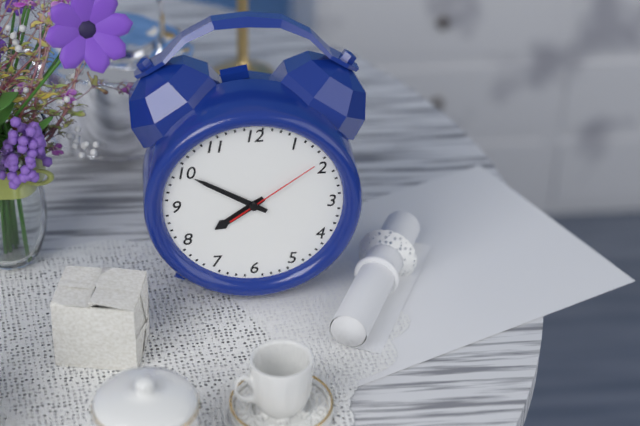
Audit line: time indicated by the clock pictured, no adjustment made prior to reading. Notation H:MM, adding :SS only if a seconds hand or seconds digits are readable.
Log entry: 7:50:09
